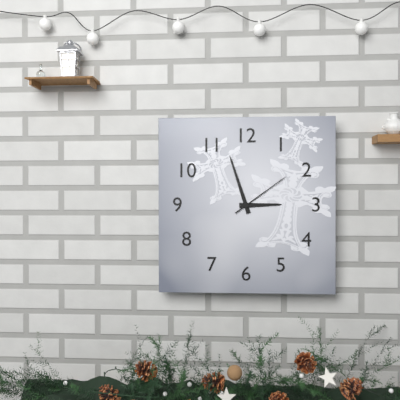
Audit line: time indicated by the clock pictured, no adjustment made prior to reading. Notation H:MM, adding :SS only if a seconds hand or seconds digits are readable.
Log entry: 2:57:09
